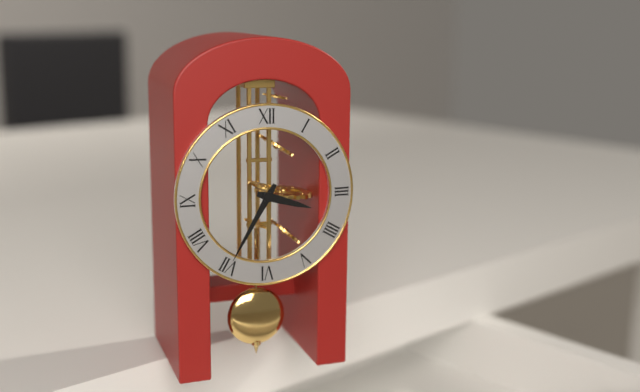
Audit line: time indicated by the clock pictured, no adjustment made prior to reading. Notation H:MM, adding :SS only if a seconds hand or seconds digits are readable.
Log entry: 3:35
